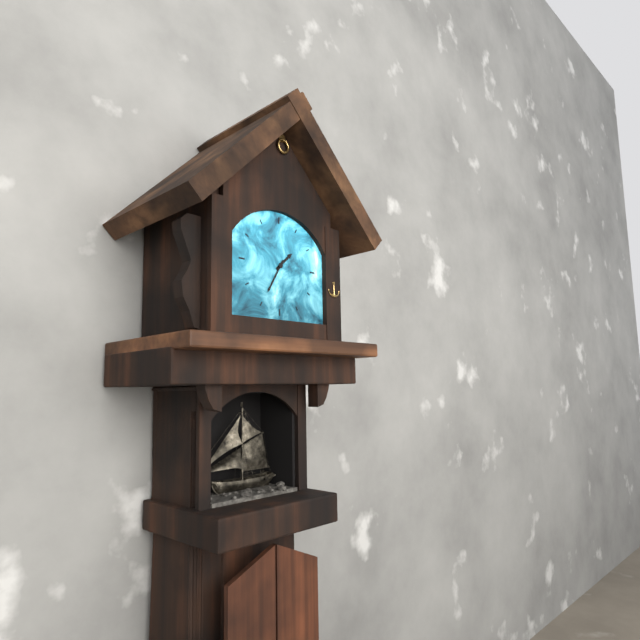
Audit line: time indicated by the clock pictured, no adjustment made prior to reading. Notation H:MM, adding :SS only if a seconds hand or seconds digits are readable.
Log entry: 1:35
